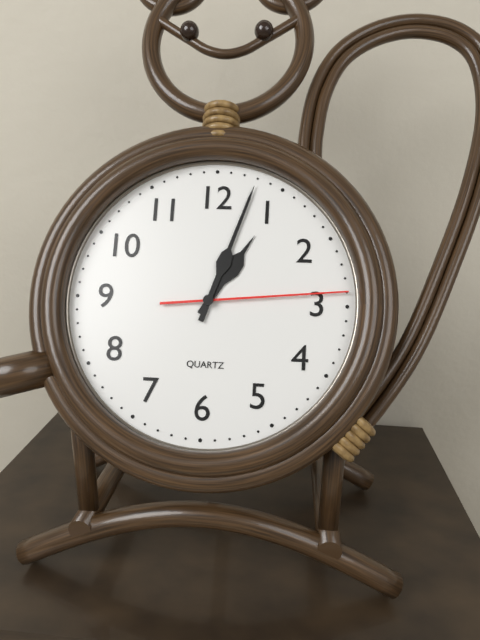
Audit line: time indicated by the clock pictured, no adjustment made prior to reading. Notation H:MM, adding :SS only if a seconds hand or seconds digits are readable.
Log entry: 1:03:14
